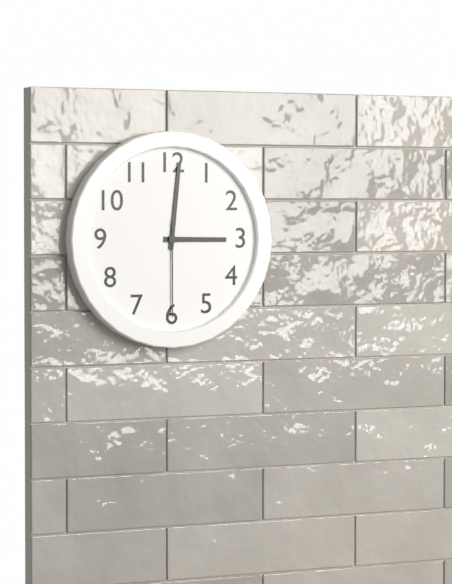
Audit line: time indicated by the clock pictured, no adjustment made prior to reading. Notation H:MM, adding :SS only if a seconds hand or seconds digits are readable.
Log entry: 3:01:30
